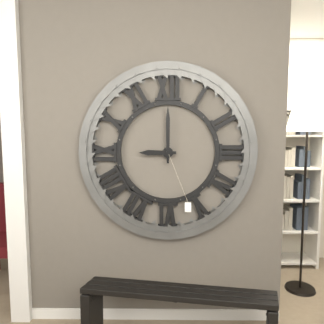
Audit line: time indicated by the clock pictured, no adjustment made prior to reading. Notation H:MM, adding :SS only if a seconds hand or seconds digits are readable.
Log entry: 9:00
